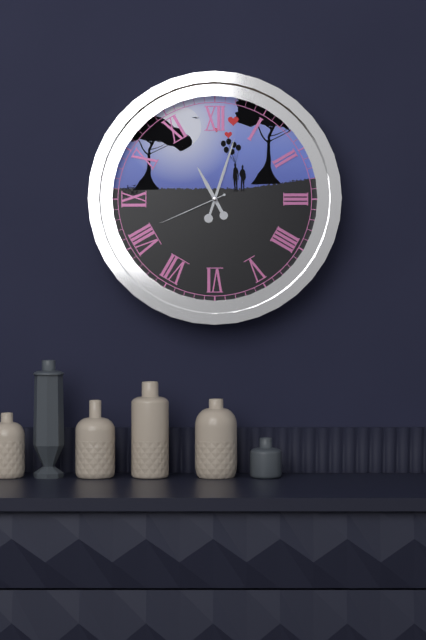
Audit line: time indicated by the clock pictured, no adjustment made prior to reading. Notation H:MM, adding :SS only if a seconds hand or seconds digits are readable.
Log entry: 11:03:41
